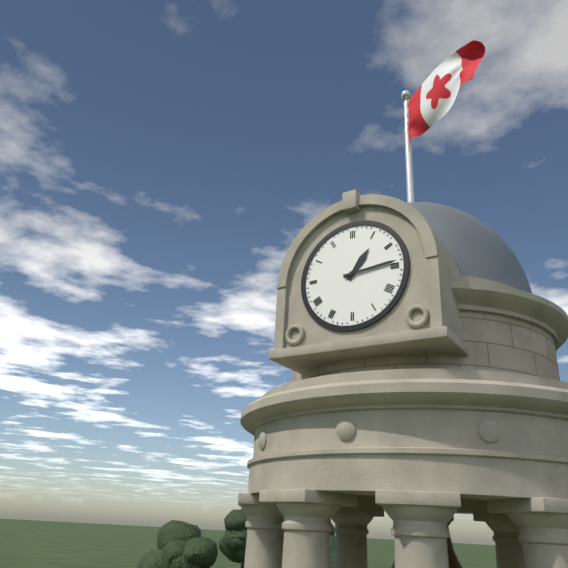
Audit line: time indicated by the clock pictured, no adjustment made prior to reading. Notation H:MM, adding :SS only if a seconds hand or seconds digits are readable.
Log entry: 1:14
